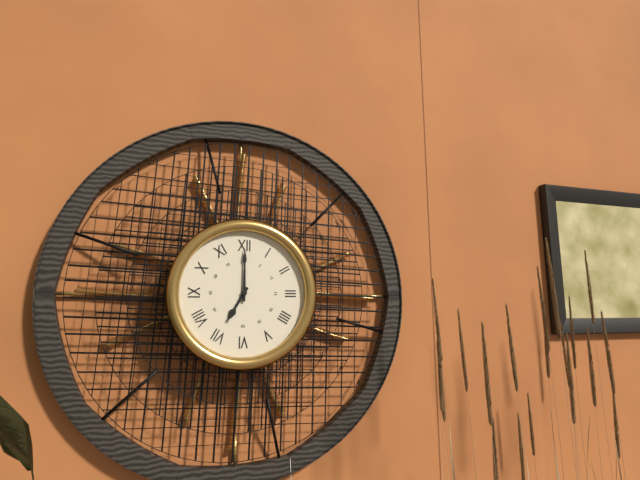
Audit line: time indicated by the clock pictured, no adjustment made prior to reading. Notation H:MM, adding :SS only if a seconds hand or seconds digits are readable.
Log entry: 7:00
